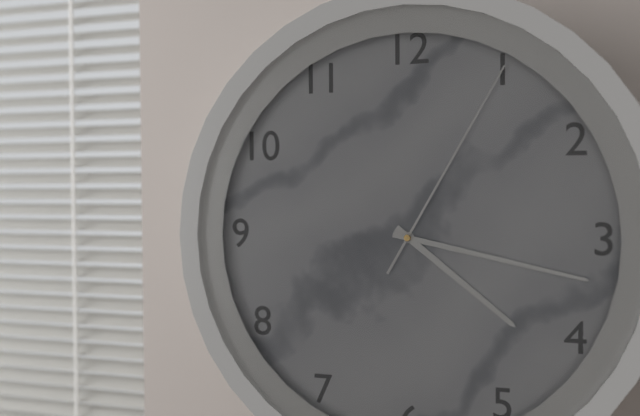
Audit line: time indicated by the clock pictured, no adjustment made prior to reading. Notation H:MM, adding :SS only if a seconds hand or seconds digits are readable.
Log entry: 4:17:05
